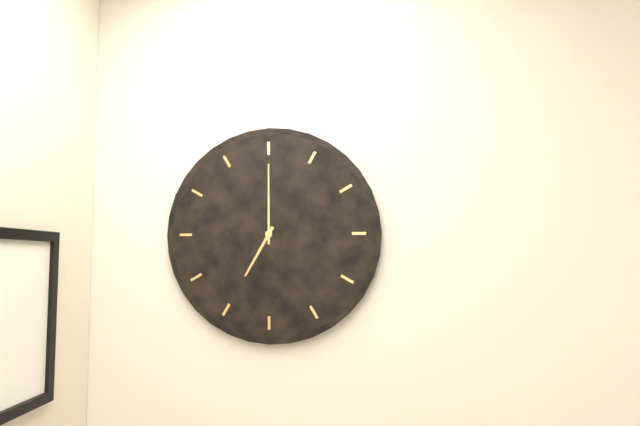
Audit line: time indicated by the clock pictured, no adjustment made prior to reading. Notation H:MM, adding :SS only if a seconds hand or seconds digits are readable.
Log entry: 7:00
